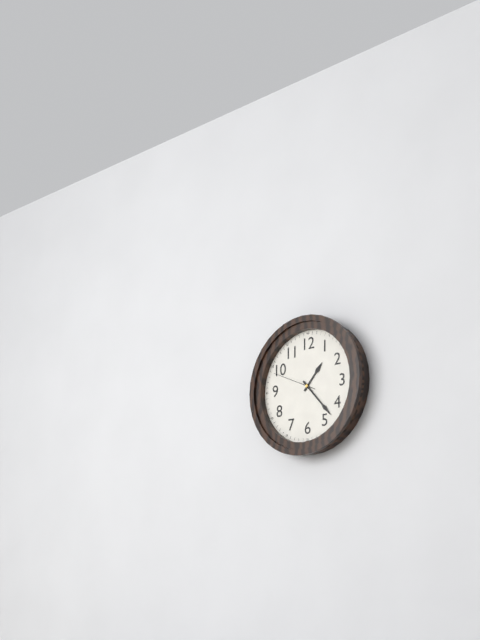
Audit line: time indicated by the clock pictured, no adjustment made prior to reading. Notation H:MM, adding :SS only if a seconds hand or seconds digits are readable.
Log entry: 1:23
